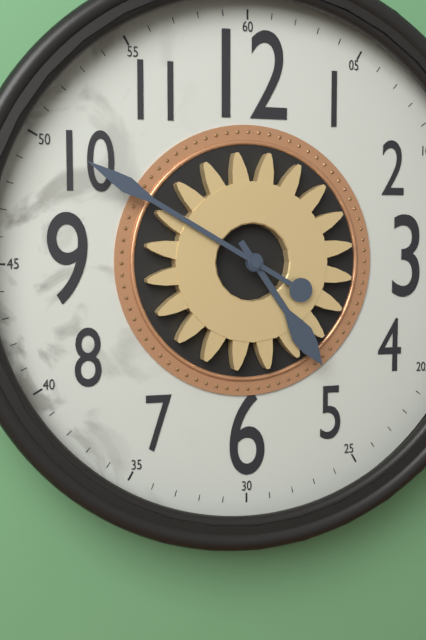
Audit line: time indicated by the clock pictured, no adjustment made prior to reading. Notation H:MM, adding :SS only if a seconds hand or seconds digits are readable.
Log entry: 4:50
